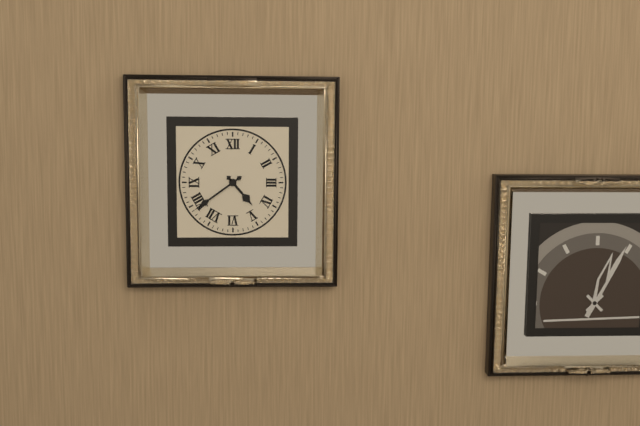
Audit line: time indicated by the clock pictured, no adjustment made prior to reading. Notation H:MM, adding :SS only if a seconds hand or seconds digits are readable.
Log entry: 4:39
